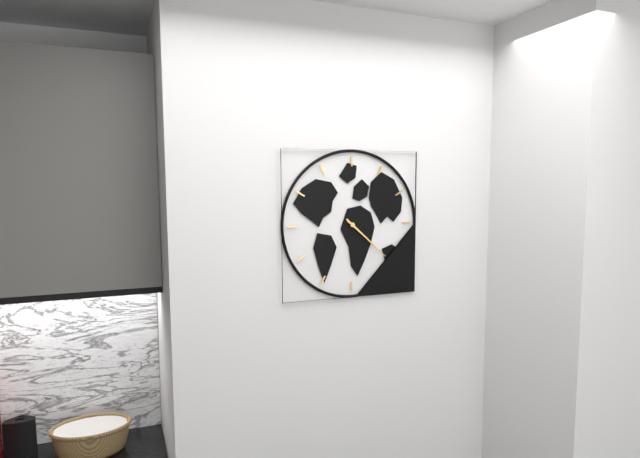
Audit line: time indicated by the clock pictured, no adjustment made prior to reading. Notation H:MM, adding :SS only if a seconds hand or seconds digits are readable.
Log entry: 4:22
